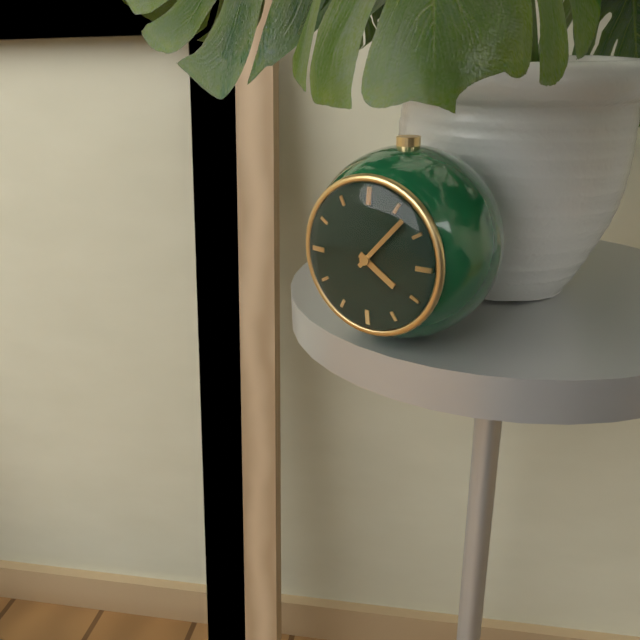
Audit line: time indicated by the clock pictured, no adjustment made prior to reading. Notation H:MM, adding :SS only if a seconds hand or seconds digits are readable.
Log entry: 4:07
